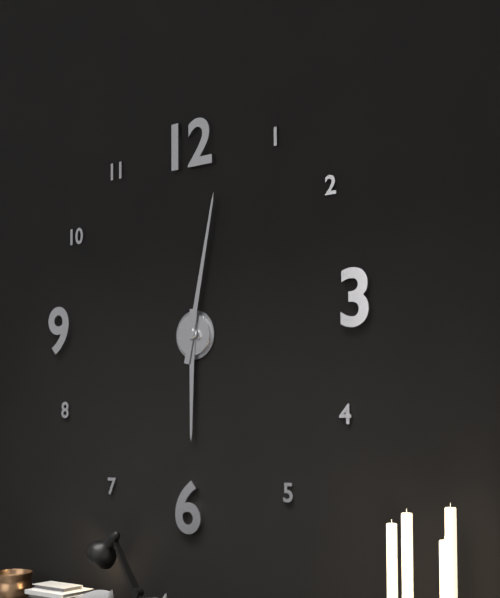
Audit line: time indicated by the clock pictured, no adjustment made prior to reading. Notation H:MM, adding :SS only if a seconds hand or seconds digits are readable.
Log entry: 6:02
